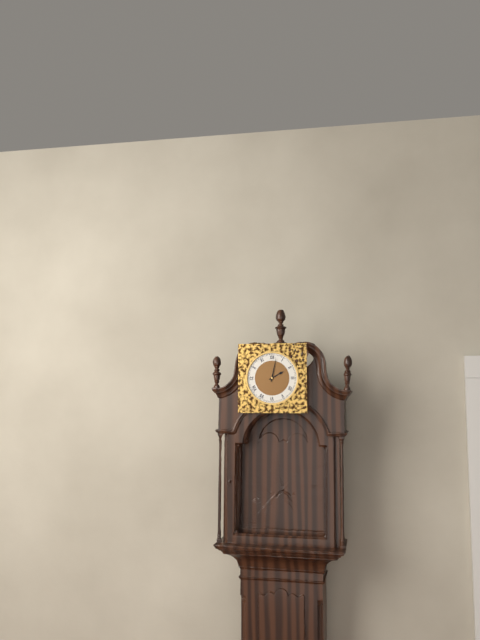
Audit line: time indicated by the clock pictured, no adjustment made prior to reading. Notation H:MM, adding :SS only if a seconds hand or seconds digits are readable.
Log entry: 2:02
